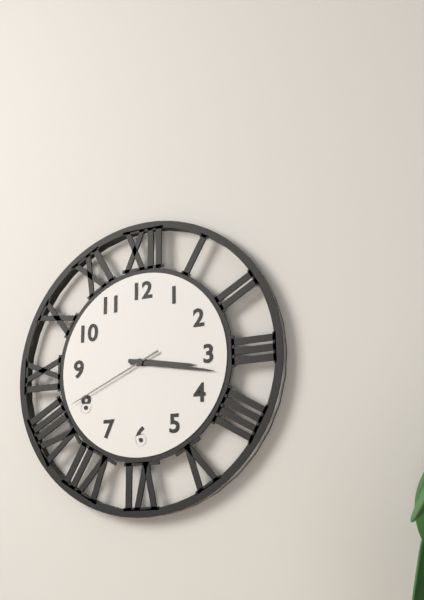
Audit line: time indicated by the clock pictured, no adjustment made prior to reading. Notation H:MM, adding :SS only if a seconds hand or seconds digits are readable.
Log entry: 3:17:41
